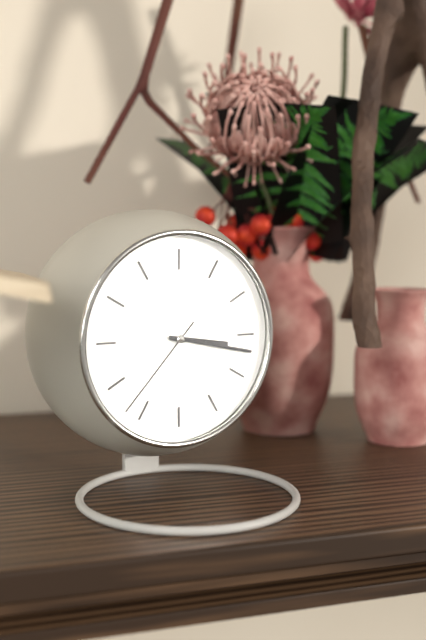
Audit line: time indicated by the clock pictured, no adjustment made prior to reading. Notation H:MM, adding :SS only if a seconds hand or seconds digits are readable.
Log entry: 3:17:37
